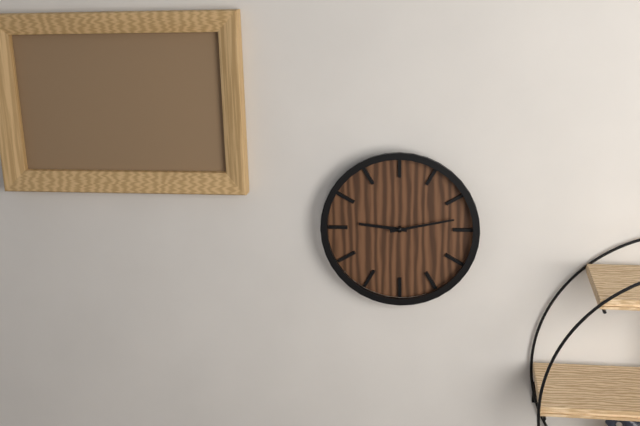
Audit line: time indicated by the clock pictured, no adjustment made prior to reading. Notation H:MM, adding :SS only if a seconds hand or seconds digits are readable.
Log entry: 9:13
